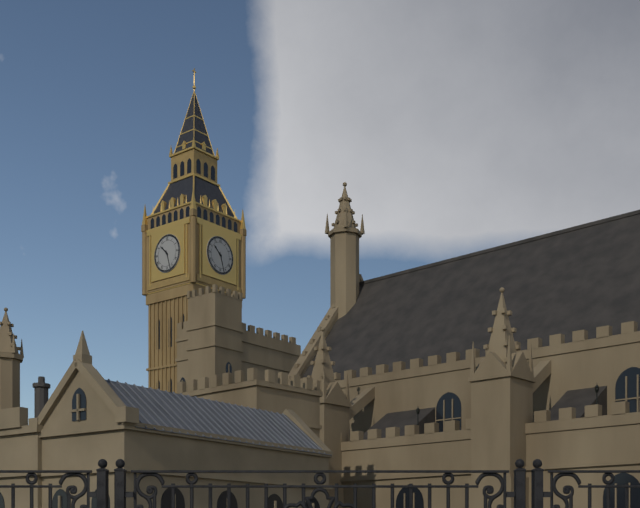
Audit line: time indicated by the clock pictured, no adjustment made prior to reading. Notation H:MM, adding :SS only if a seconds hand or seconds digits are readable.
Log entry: 10:27
